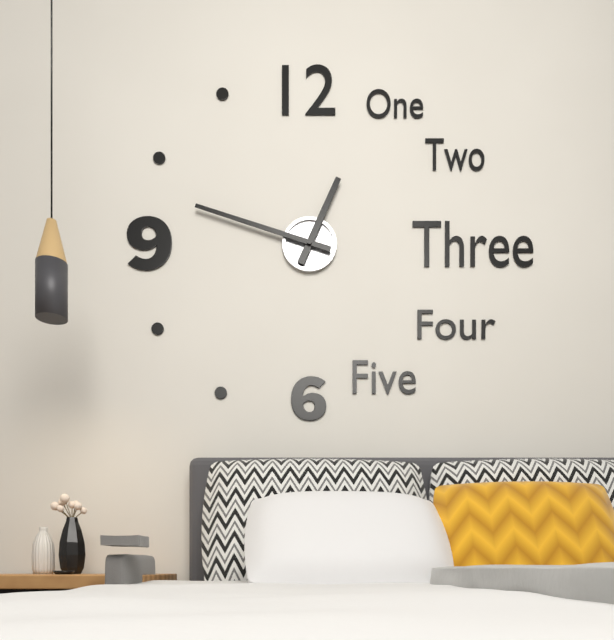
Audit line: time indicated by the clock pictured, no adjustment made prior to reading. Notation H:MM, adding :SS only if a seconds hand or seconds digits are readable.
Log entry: 12:48
